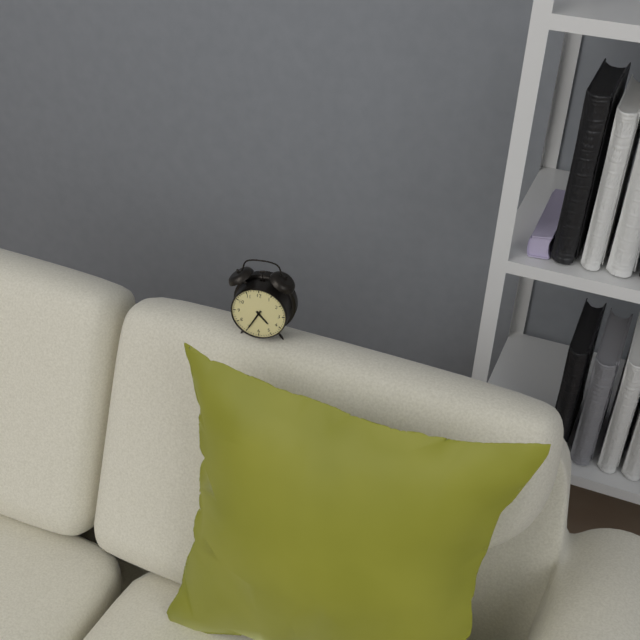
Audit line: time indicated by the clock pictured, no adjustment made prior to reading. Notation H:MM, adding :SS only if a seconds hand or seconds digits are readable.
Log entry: 4:35
